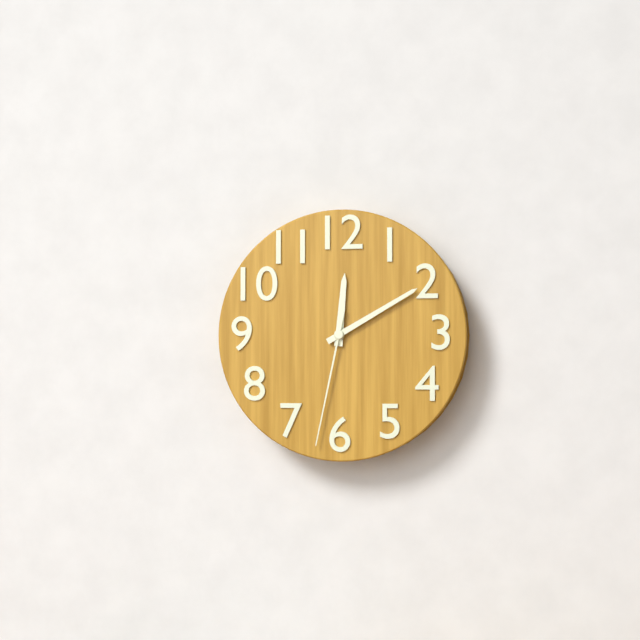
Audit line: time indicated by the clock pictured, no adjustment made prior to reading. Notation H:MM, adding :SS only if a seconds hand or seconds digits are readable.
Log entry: 12:10:32
